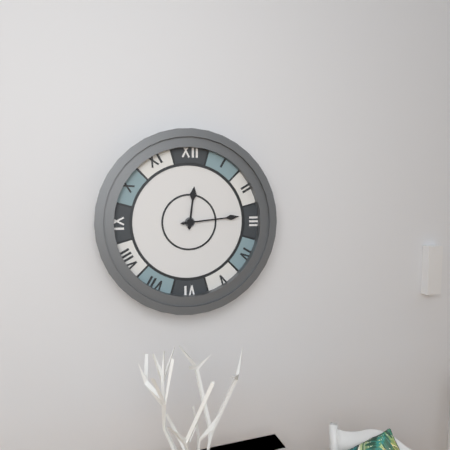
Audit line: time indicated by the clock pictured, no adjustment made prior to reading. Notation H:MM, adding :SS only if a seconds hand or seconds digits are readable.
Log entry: 12:14
